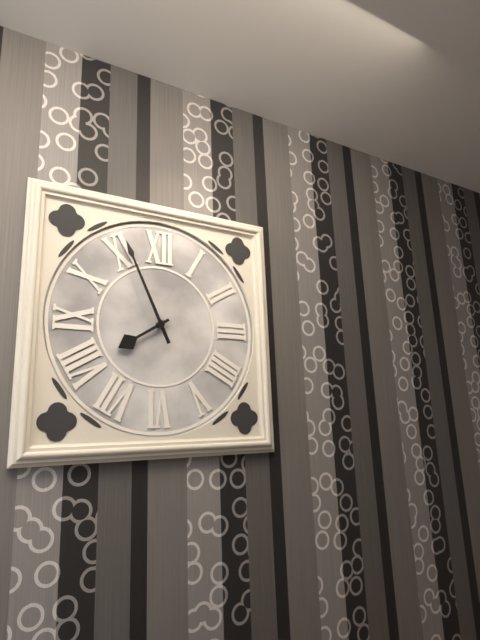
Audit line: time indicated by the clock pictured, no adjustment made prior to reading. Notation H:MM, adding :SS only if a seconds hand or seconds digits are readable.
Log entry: 7:56
